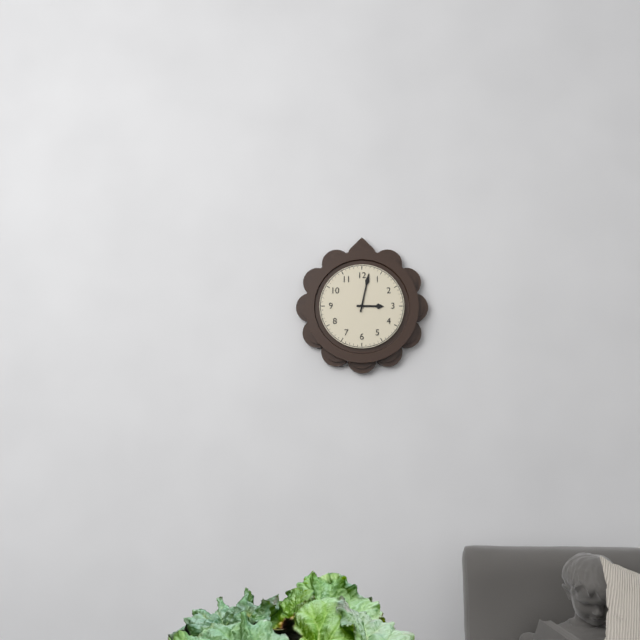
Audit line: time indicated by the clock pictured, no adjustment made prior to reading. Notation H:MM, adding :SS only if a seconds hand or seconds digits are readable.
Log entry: 3:02
